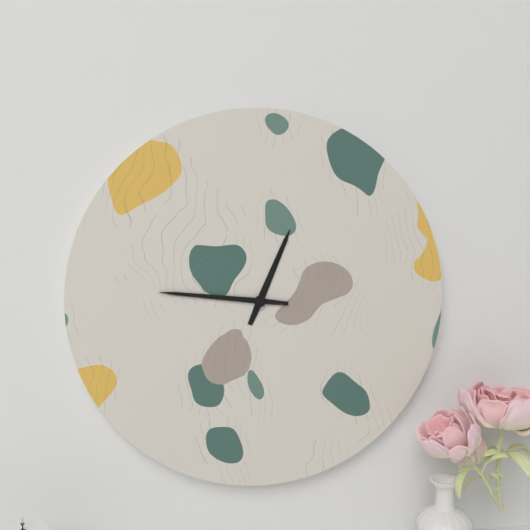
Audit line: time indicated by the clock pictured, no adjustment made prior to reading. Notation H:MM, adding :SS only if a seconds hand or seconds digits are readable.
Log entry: 12:46
